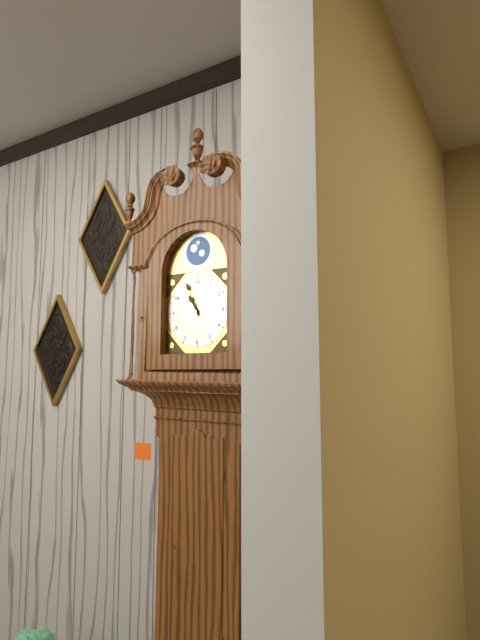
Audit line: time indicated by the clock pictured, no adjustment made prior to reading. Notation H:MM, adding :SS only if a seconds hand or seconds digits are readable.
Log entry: 10:56
